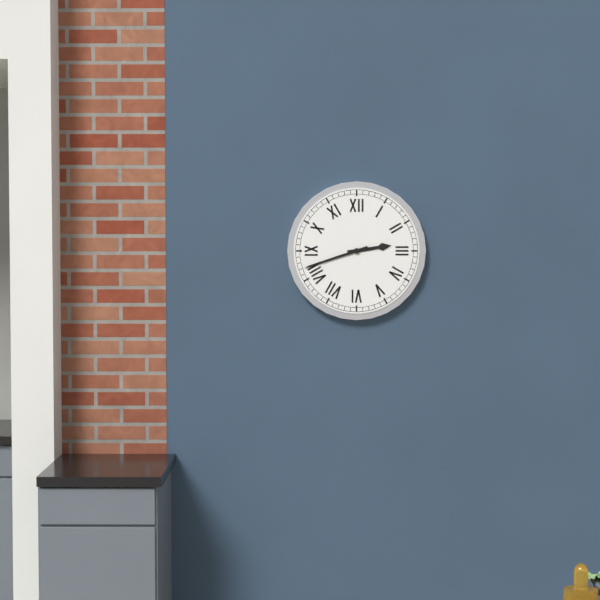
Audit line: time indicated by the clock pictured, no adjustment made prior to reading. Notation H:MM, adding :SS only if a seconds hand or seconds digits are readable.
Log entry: 2:42
